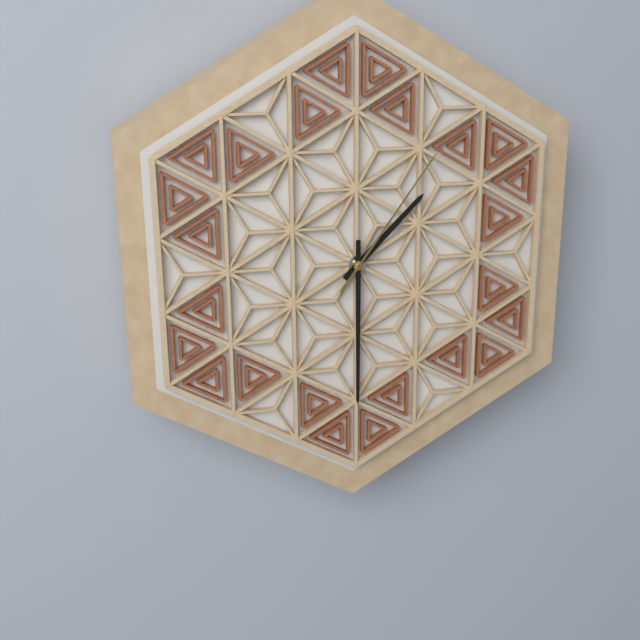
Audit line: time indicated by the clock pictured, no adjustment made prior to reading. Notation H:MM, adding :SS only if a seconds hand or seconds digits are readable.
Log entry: 1:30:06
